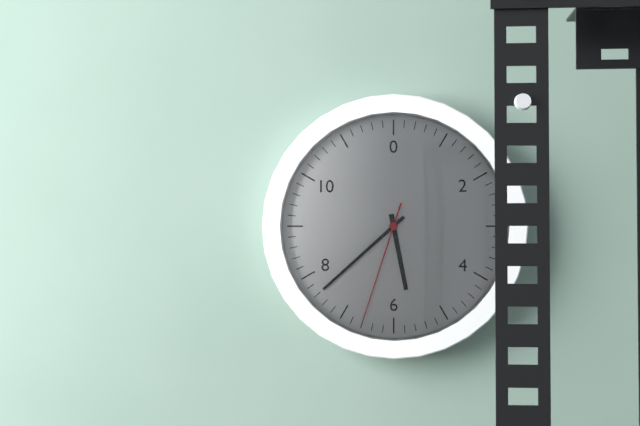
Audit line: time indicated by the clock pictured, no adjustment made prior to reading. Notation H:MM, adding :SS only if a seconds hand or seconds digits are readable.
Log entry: 5:38:33
